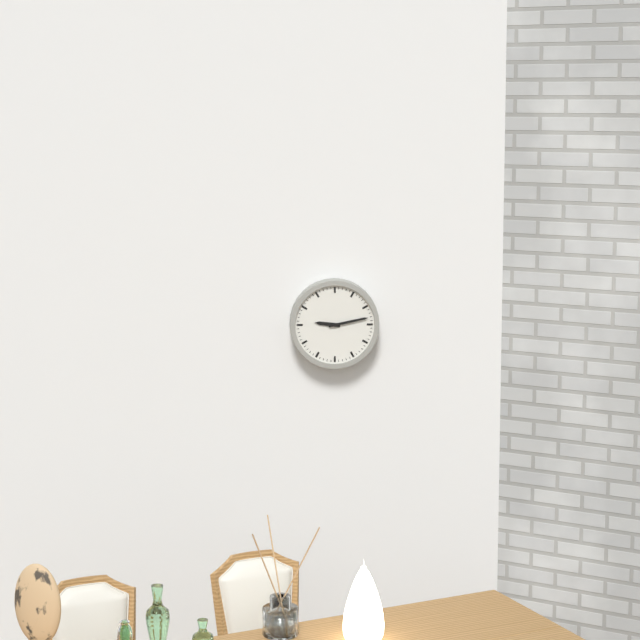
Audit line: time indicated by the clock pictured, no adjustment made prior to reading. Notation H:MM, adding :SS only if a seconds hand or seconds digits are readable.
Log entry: 9:13
